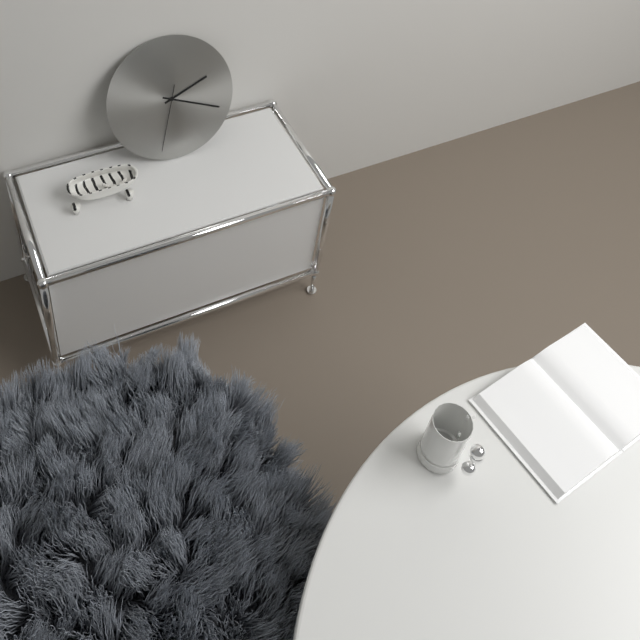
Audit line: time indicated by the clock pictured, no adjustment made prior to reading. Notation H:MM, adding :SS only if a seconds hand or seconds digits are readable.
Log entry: 2:19:33
